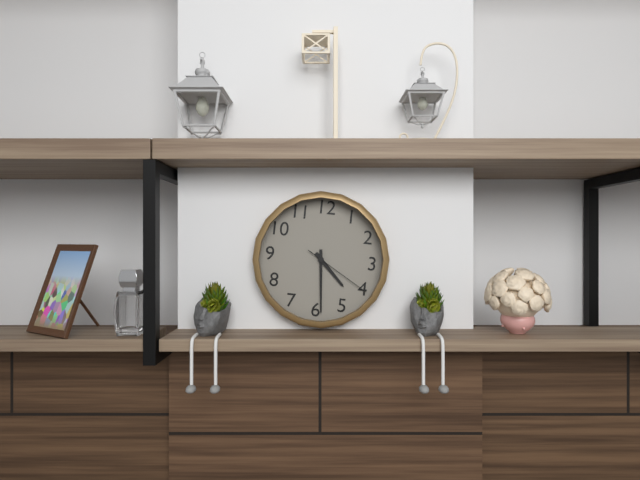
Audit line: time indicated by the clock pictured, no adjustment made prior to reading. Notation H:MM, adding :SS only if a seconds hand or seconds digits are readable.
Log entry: 4:29:20
